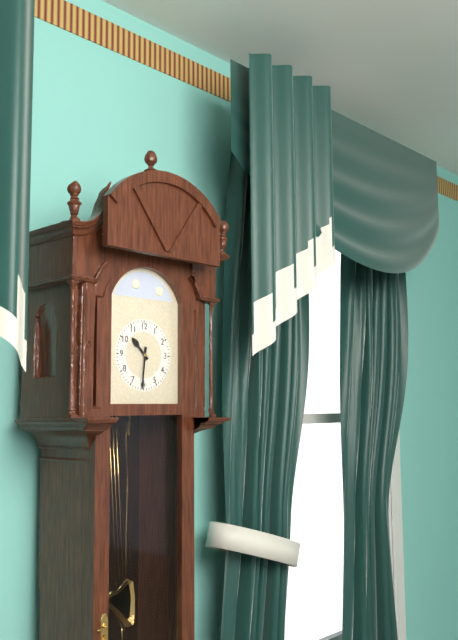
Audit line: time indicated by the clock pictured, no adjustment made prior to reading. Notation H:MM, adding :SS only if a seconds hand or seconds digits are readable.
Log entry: 10:31
